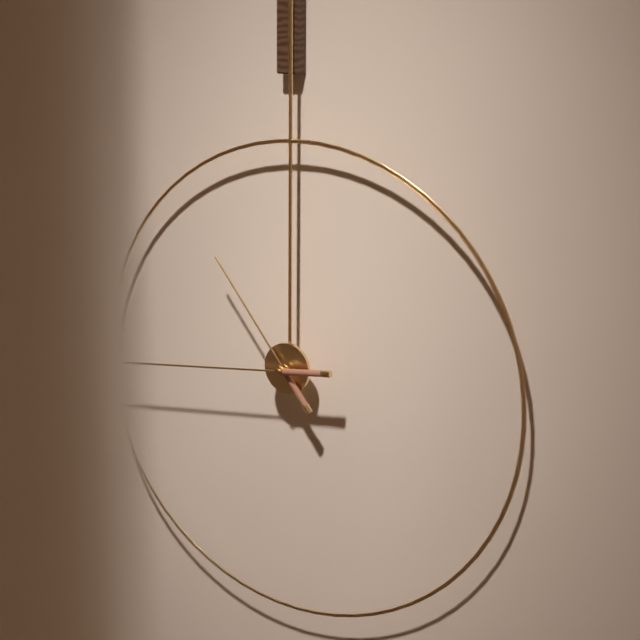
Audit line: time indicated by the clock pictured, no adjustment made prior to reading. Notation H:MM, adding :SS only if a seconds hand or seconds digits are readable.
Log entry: 10:44
